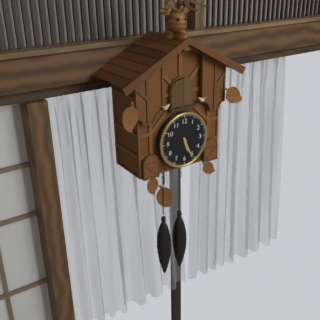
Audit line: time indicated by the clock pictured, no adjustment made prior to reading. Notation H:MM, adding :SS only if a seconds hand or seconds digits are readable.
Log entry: 5:26
